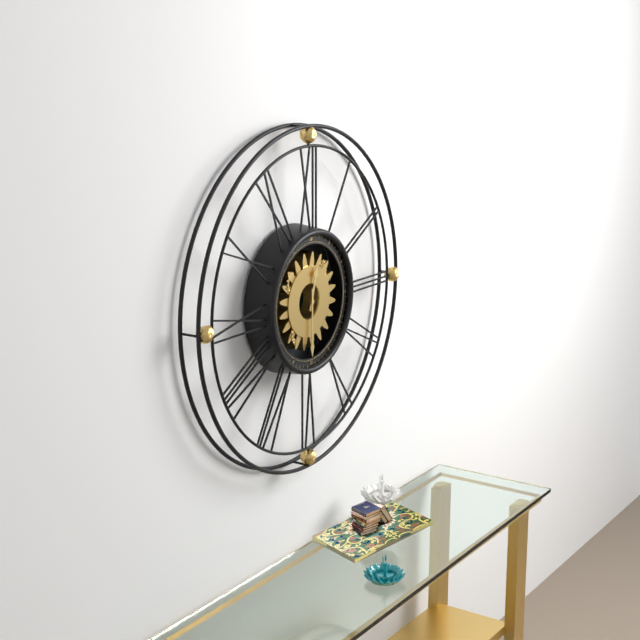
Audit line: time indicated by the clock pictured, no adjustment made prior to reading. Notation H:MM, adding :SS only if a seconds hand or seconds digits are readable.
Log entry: 12:30
